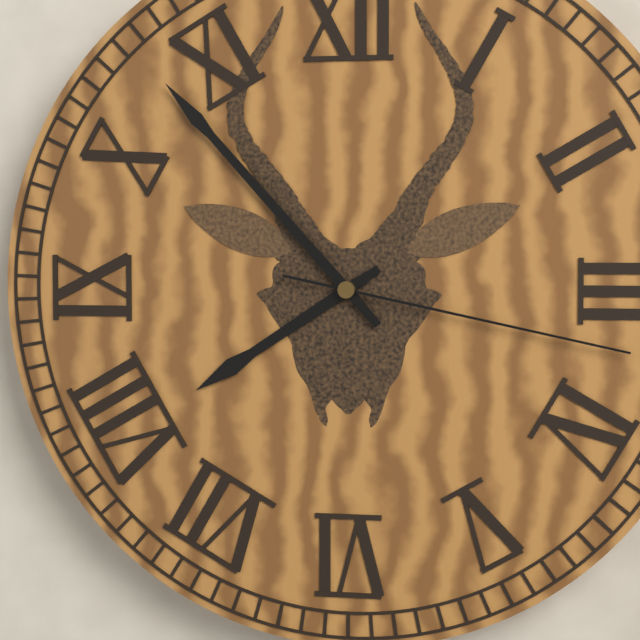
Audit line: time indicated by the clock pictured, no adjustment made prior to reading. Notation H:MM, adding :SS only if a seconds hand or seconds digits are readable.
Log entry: 7:53:17
